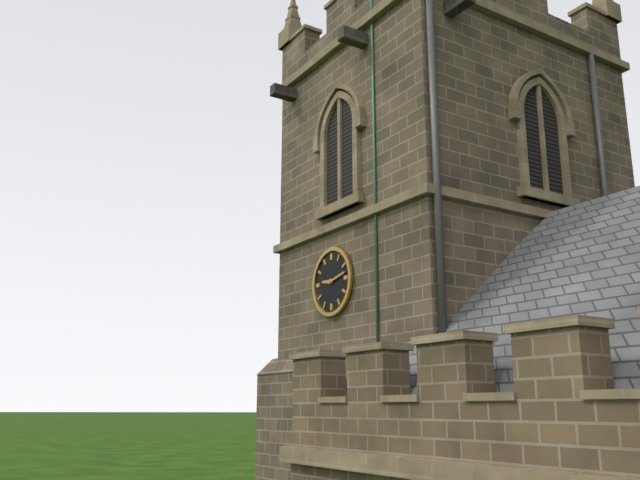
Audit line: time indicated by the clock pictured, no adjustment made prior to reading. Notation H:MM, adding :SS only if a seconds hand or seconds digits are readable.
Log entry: 9:13
